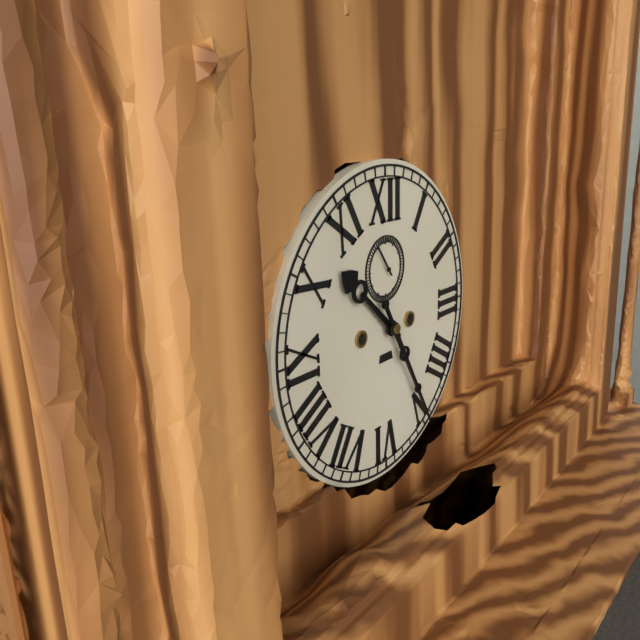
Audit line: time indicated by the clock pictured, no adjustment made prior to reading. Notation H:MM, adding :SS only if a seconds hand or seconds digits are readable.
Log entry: 10:25
